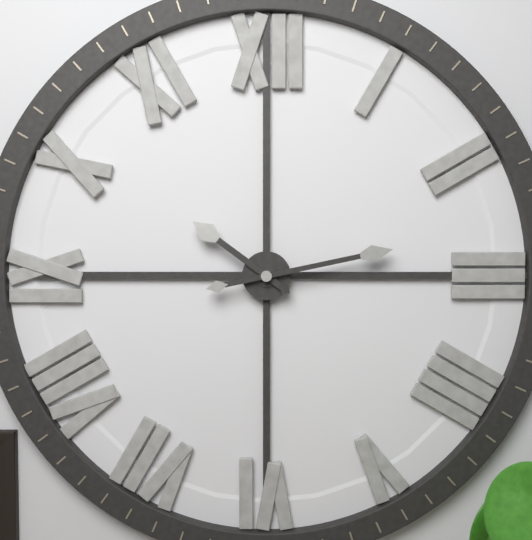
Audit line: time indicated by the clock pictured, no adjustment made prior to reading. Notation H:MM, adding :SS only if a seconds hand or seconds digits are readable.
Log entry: 10:13
